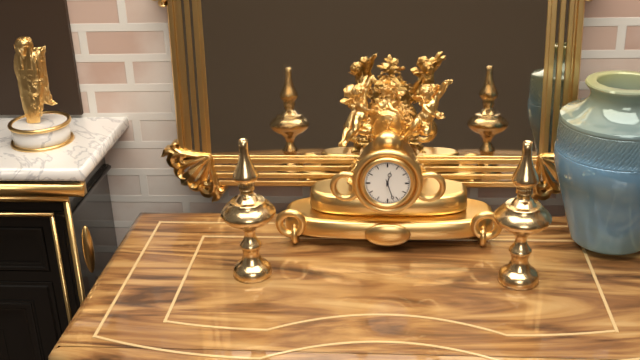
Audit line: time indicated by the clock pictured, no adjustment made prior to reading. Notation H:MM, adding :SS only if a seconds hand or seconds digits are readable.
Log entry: 12:27
